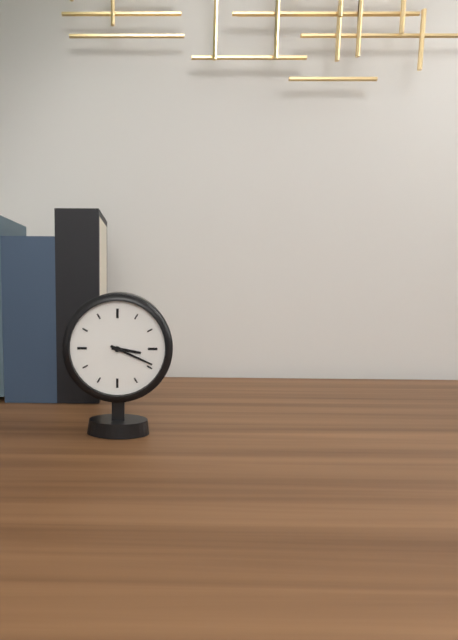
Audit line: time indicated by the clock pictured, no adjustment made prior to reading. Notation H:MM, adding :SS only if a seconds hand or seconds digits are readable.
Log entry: 3:19
